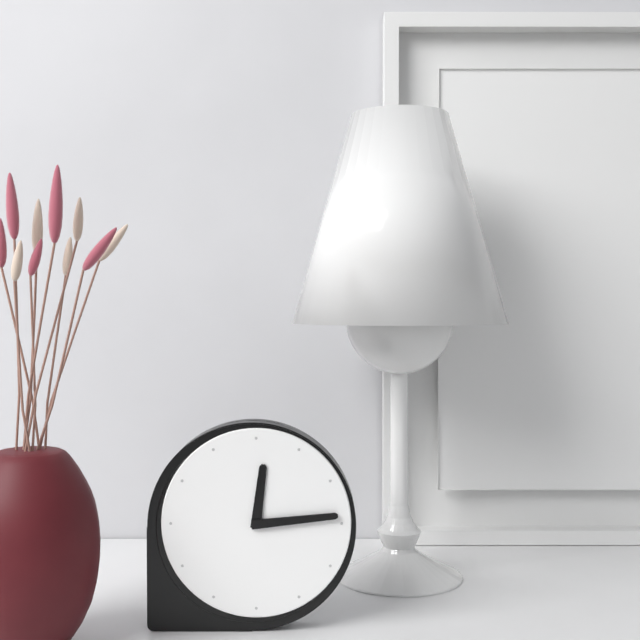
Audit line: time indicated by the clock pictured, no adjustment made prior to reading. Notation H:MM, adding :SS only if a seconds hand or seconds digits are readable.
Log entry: 12:14
